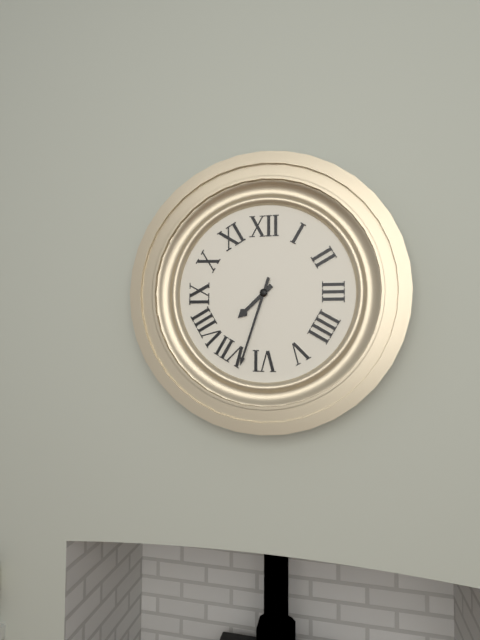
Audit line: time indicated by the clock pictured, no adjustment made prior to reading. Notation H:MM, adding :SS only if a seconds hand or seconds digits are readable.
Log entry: 7:33
